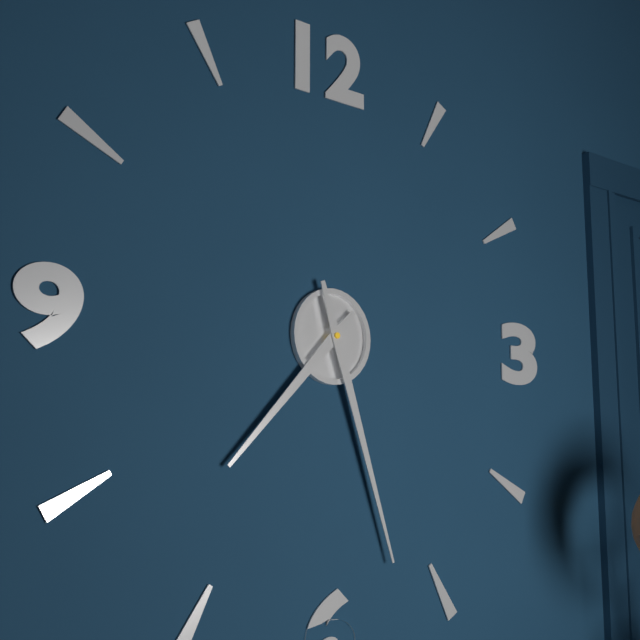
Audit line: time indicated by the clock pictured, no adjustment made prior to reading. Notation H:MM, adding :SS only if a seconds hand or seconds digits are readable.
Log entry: 7:27
